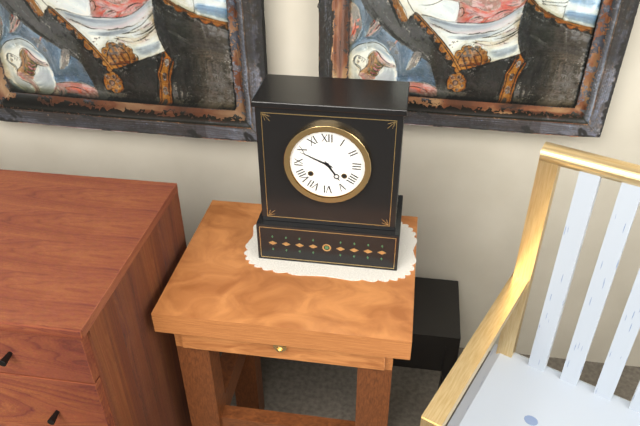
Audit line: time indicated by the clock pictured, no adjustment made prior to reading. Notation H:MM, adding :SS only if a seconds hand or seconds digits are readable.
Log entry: 4:49
